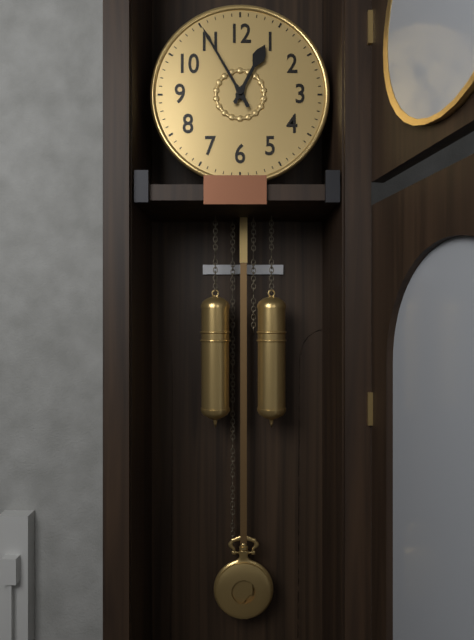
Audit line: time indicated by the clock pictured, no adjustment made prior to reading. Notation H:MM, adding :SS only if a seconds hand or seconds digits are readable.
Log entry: 12:55
